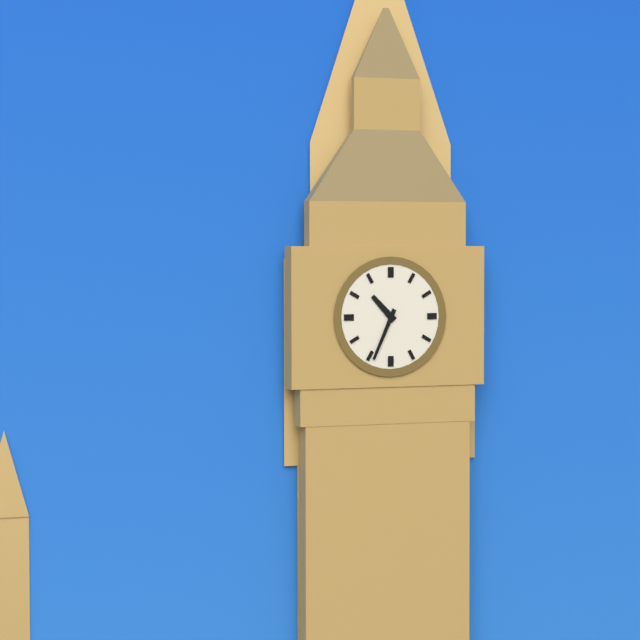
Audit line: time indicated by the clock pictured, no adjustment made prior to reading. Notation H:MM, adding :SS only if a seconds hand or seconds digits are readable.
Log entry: 10:34
